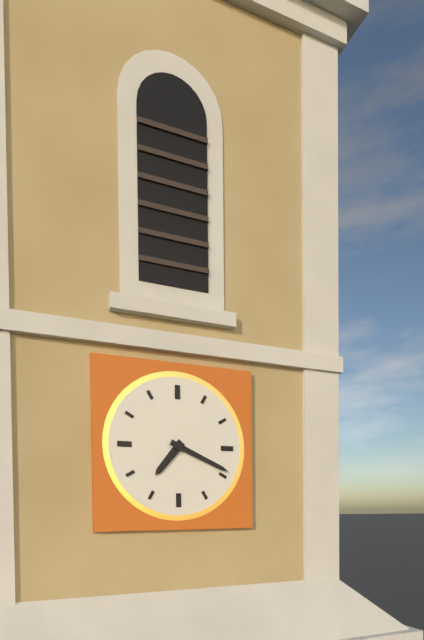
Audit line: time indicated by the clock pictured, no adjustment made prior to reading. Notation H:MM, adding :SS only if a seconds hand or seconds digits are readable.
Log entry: 7:19
